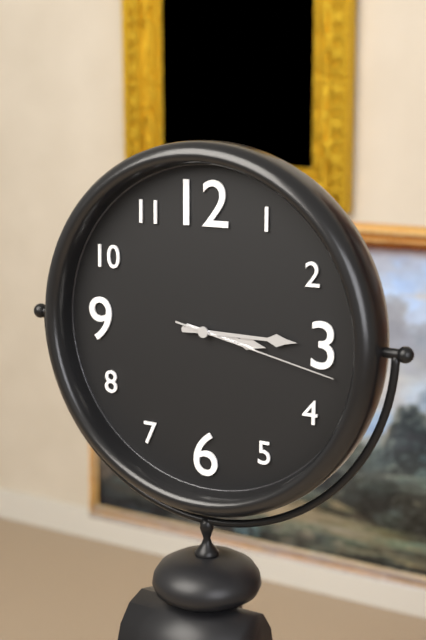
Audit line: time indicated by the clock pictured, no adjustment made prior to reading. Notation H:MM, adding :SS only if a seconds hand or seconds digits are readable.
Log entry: 3:15:17
